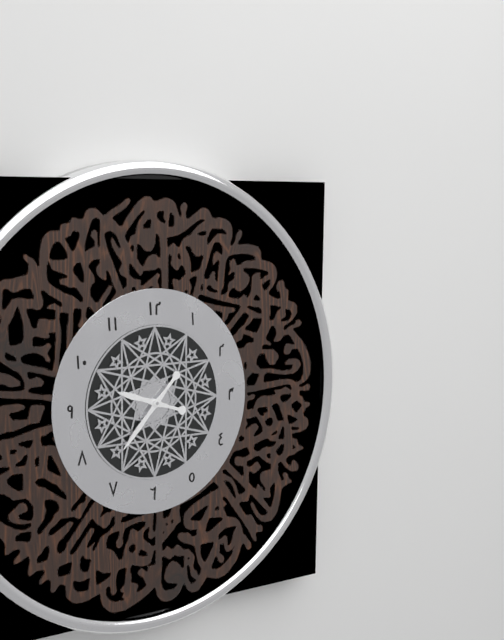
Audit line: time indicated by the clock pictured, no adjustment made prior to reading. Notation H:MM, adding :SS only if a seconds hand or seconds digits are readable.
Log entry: 9:37
